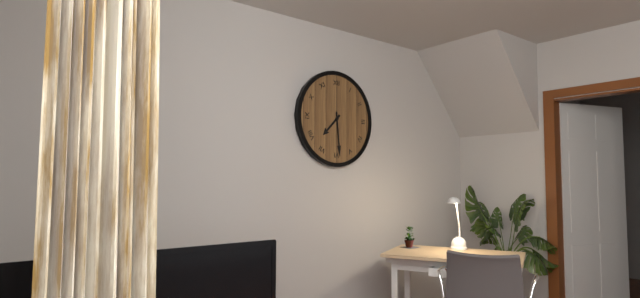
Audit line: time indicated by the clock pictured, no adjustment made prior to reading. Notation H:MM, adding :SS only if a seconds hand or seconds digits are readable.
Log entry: 7:29
